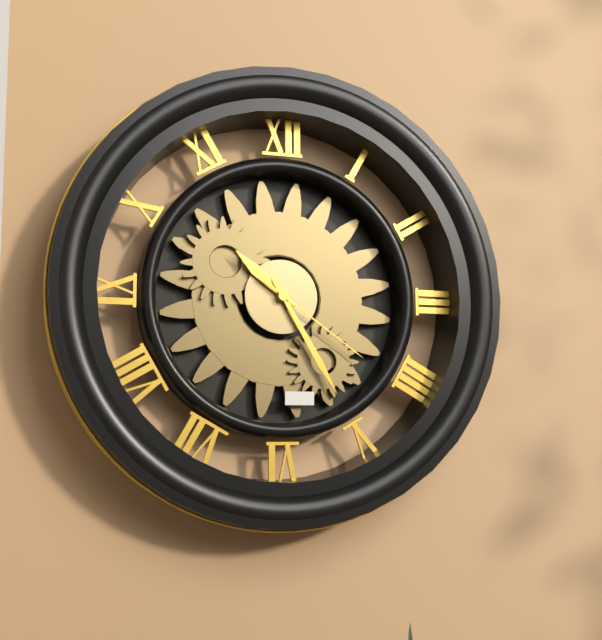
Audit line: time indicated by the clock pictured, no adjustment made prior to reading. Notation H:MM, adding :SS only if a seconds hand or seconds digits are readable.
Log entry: 10:25:21
